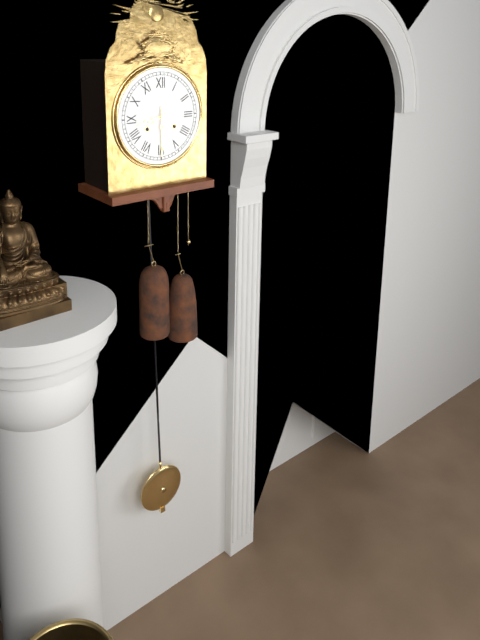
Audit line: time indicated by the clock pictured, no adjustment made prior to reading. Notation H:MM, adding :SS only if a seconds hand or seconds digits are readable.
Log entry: 8:30
